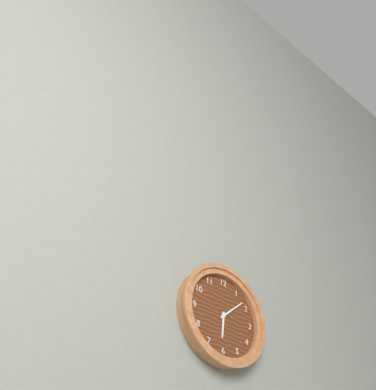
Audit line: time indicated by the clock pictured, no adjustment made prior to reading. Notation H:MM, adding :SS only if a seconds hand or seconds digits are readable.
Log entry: 6:08
